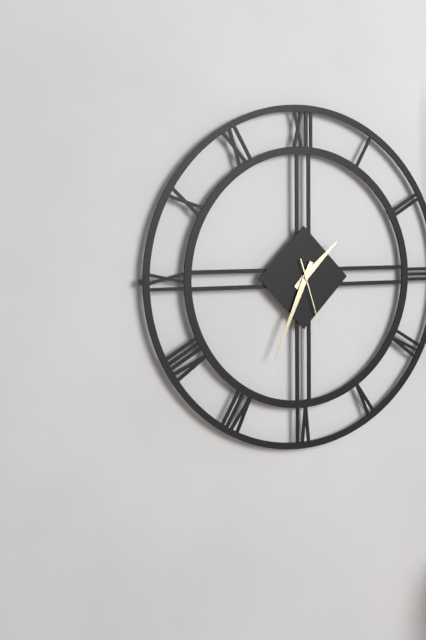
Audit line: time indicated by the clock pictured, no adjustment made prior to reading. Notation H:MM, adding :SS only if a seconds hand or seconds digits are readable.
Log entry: 1:34:27
